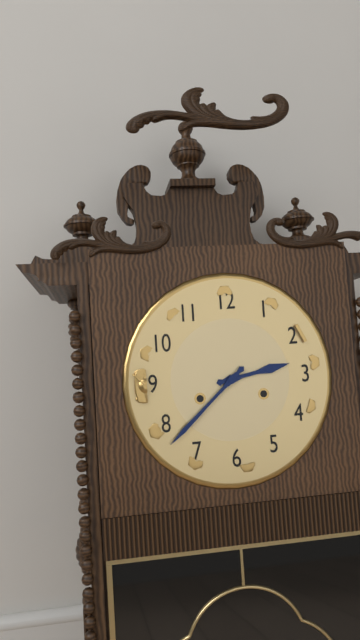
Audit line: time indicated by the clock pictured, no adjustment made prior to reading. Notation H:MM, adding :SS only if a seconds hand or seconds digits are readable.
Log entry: 2:38
